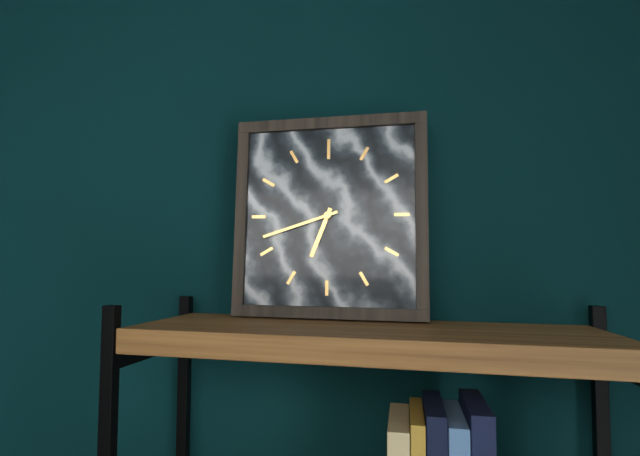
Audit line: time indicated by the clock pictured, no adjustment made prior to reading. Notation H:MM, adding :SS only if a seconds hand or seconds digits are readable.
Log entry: 6:42
